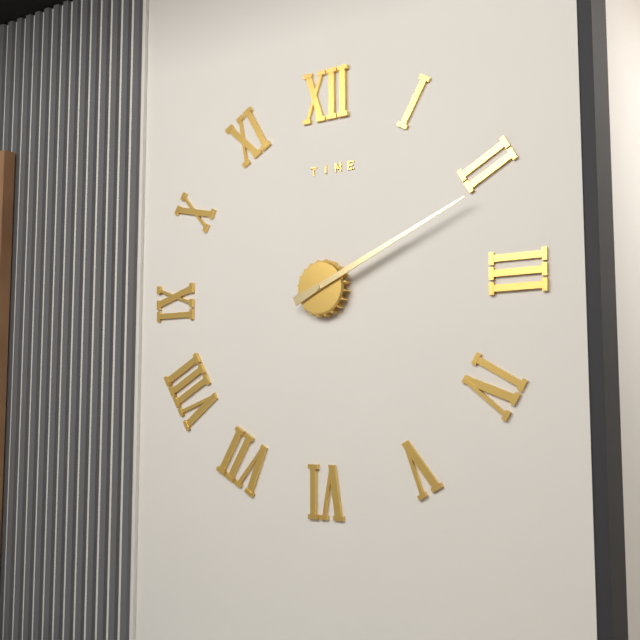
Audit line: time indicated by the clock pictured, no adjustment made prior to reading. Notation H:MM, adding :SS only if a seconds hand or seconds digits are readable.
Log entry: 2:11
